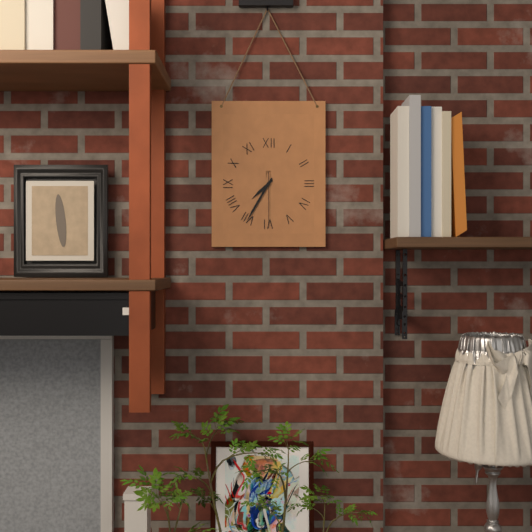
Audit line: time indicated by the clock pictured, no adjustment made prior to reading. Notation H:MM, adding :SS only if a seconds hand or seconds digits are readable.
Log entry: 7:35:30
